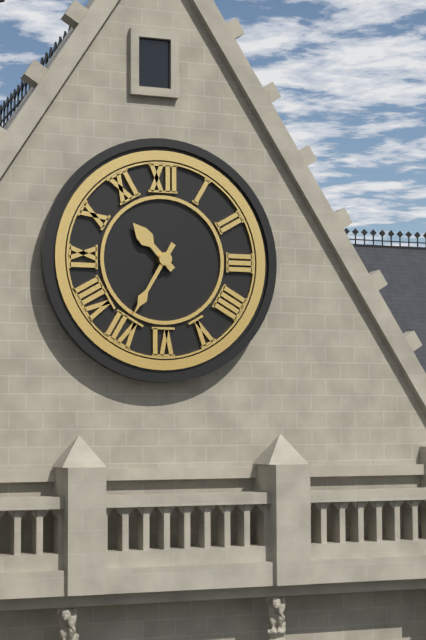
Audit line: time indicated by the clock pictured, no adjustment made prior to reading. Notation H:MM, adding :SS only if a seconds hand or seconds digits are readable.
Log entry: 10:35
